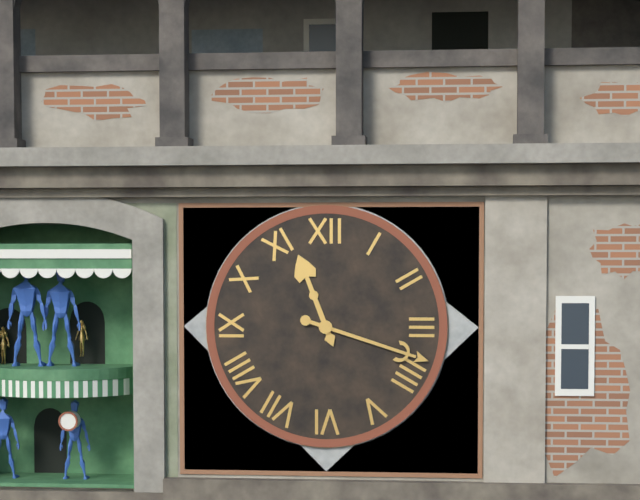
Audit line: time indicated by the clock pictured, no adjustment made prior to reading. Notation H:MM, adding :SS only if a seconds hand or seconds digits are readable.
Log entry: 11:18
